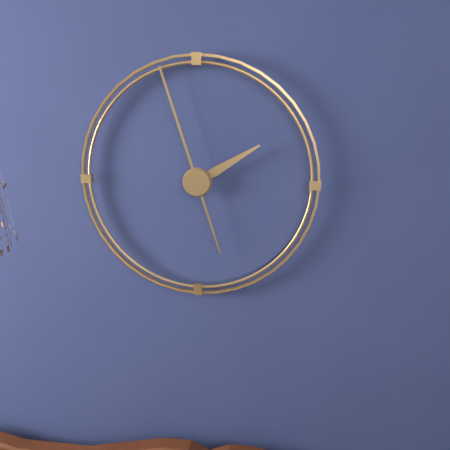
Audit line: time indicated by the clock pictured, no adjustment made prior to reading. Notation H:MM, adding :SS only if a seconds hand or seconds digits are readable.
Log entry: 1:57
